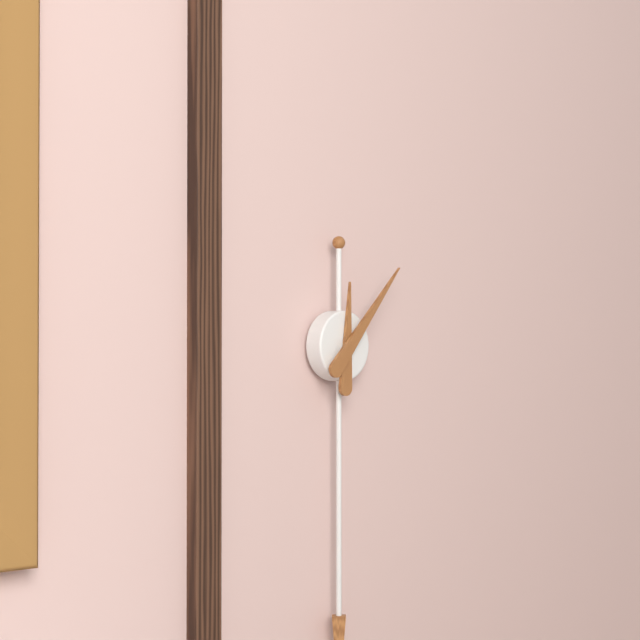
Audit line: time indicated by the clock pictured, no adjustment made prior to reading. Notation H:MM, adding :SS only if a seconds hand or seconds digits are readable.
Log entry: 12:07
